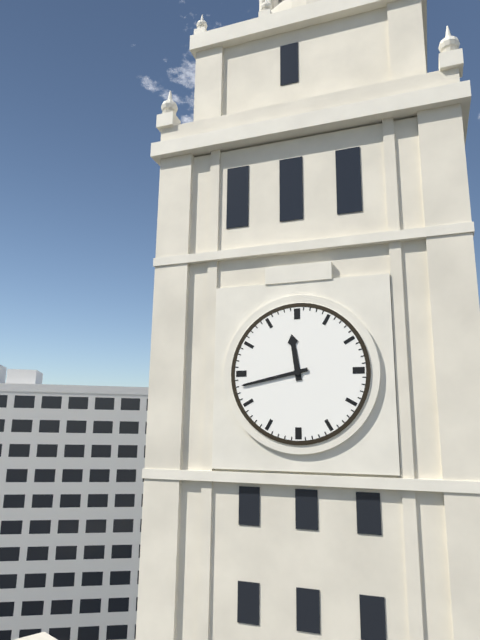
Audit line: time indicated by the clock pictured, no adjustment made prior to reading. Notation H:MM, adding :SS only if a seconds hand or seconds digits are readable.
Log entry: 11:43
